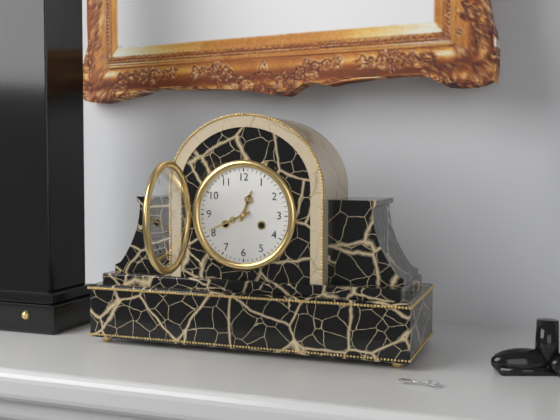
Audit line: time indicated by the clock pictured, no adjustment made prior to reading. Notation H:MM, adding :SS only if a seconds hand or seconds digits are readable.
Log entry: 12:41
